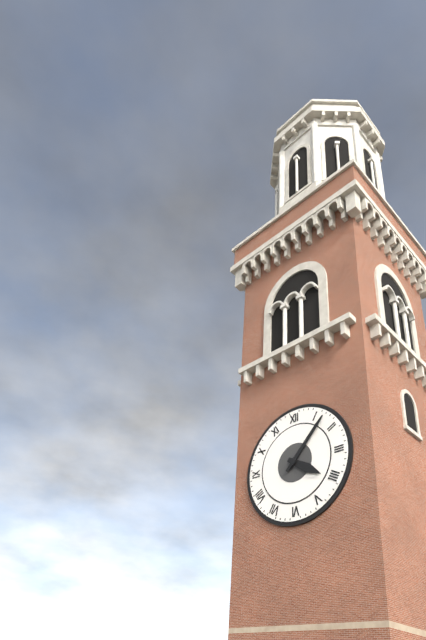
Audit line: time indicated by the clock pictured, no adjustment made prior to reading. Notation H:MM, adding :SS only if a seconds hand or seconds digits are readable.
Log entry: 4:07
